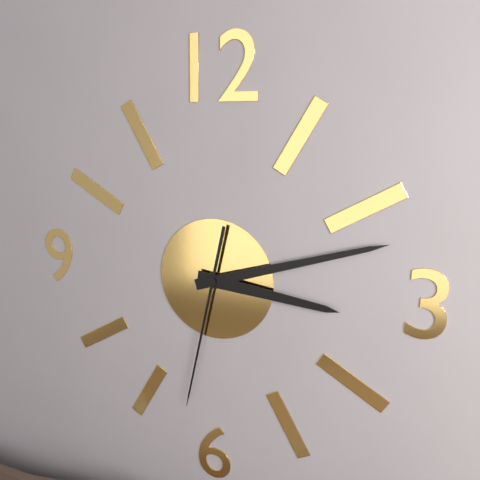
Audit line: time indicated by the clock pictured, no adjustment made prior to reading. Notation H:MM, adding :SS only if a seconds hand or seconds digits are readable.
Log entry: 3:12:32
